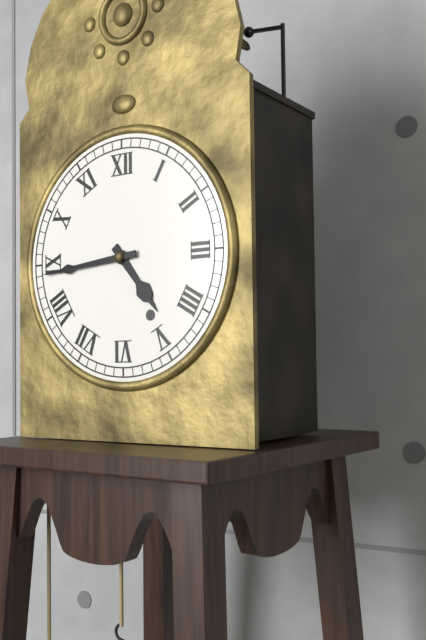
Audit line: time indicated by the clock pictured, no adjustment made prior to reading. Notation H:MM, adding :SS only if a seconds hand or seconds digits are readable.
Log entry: 4:44
